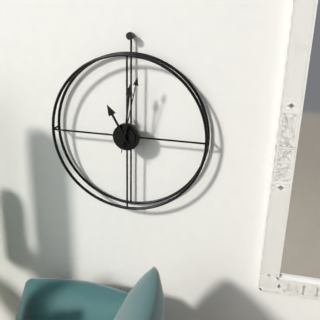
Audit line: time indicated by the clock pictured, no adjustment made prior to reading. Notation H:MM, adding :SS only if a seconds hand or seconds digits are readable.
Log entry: 11:01:02
